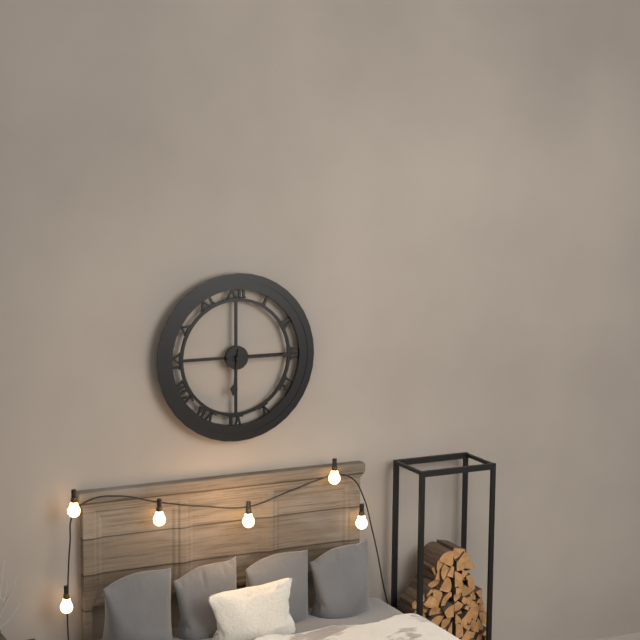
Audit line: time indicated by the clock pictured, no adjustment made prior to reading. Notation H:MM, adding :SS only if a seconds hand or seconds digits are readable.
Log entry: 6:15
